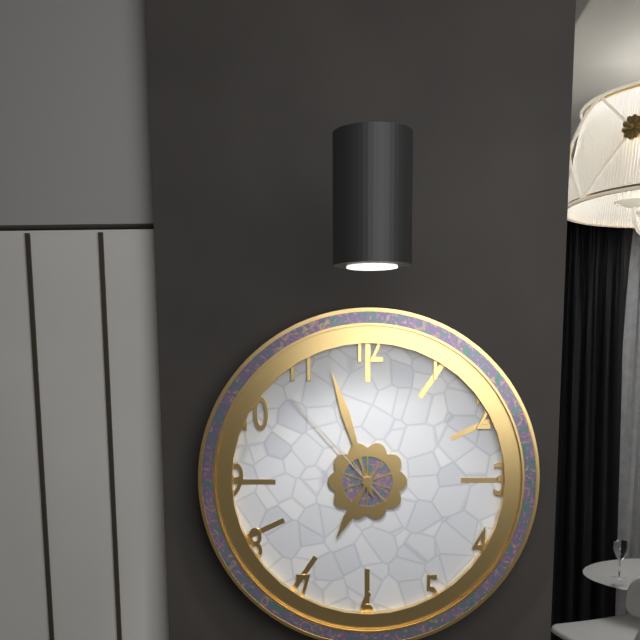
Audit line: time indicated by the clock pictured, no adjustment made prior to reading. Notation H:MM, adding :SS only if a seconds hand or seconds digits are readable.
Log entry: 6:57:53
